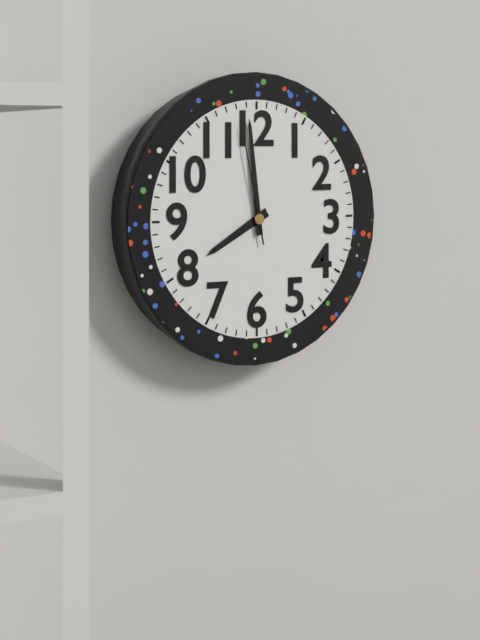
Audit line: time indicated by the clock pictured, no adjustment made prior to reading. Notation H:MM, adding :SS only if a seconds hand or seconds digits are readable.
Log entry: 7:59:58
